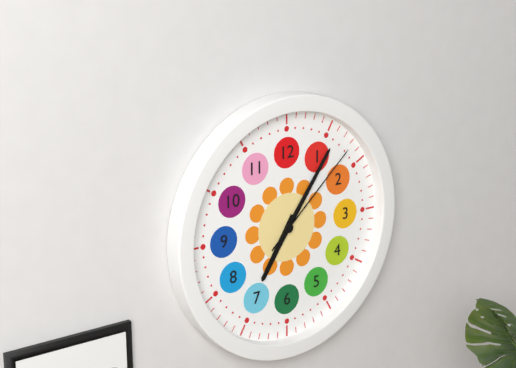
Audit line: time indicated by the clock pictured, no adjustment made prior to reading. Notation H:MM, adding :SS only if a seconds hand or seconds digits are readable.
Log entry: 7:06:08
